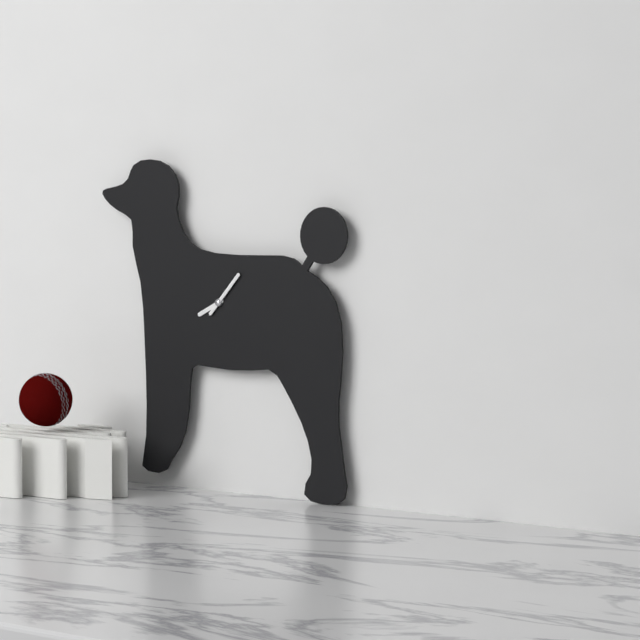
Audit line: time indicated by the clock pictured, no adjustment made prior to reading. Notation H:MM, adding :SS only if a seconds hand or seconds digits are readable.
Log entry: 8:07
